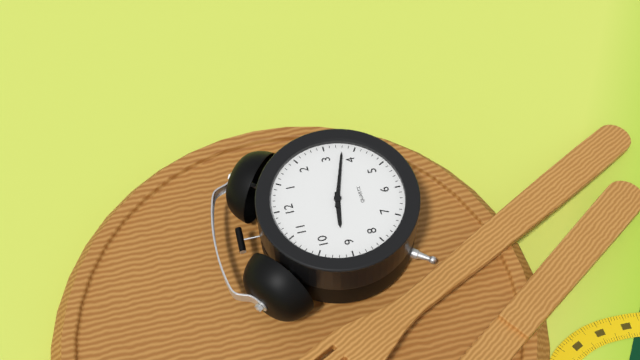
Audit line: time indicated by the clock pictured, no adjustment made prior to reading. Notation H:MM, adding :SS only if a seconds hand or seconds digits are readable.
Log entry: 9:18
